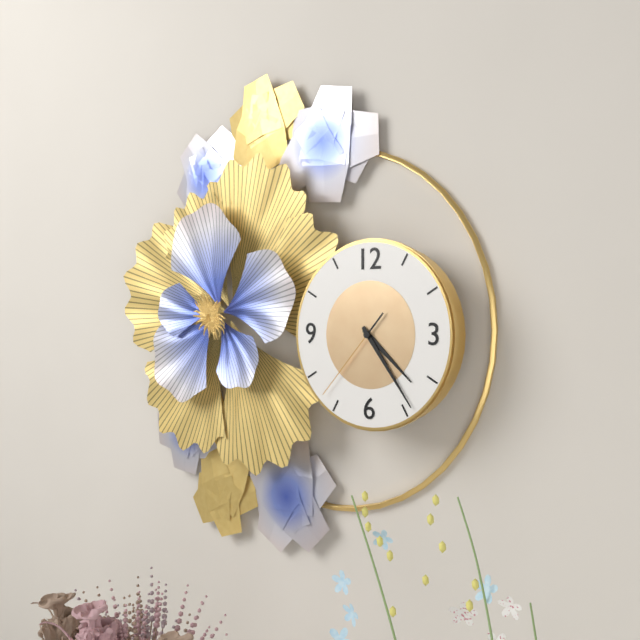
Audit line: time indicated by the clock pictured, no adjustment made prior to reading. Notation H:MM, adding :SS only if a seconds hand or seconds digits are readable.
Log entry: 4:24:37
